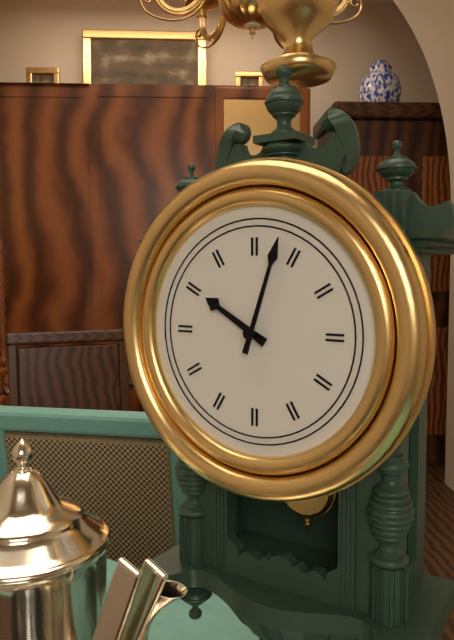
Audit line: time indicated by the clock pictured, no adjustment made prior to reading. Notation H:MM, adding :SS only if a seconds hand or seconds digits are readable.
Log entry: 10:03
